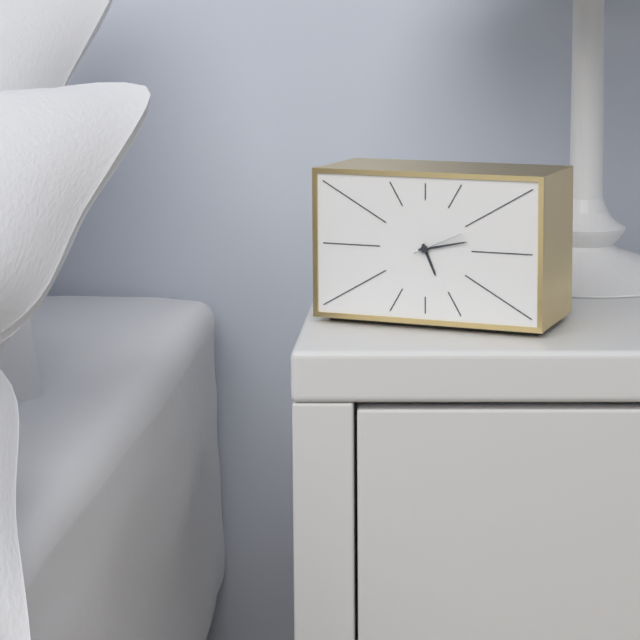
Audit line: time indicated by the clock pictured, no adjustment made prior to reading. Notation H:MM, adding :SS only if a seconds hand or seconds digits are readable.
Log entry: 5:13:11
